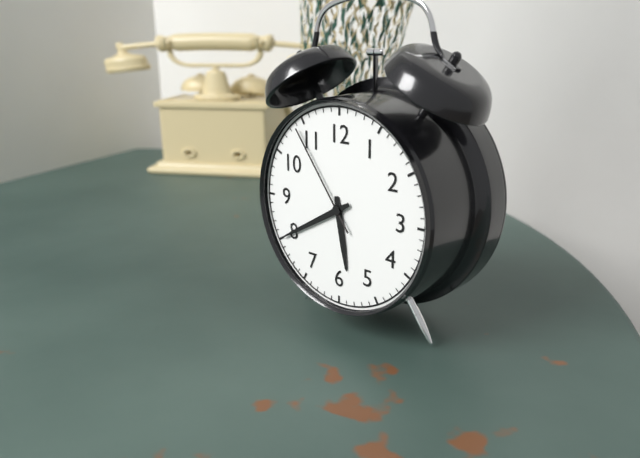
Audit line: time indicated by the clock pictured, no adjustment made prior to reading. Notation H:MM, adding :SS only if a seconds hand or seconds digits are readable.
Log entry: 5:40:54
